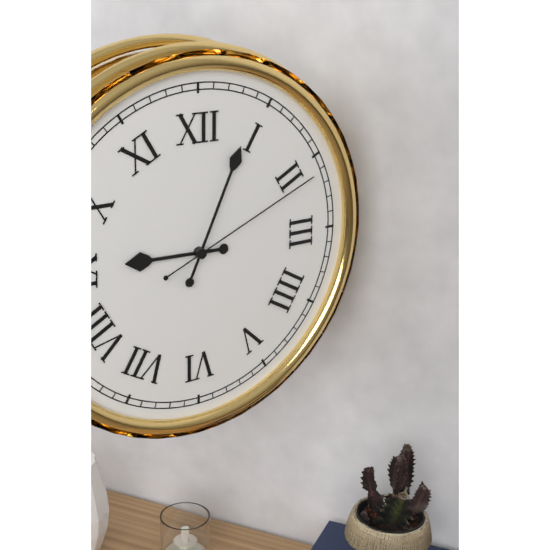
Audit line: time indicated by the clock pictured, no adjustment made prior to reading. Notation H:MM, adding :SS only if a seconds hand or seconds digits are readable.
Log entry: 9:04:11
